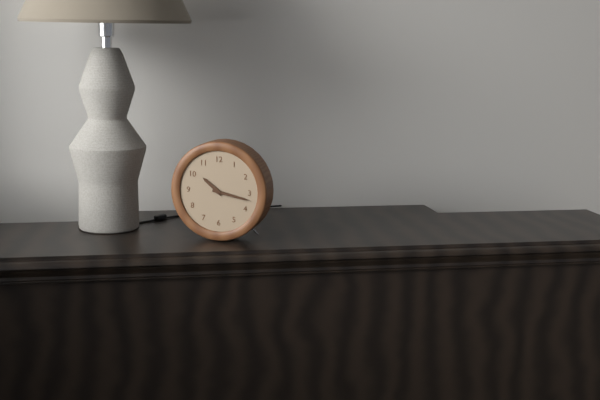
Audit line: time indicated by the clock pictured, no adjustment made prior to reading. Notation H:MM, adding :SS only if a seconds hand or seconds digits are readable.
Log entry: 10:17
